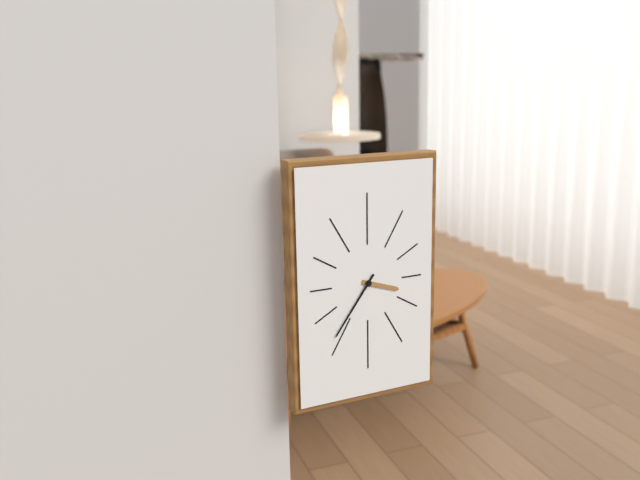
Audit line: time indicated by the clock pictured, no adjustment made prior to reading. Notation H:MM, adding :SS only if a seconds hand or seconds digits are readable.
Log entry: 3:36
